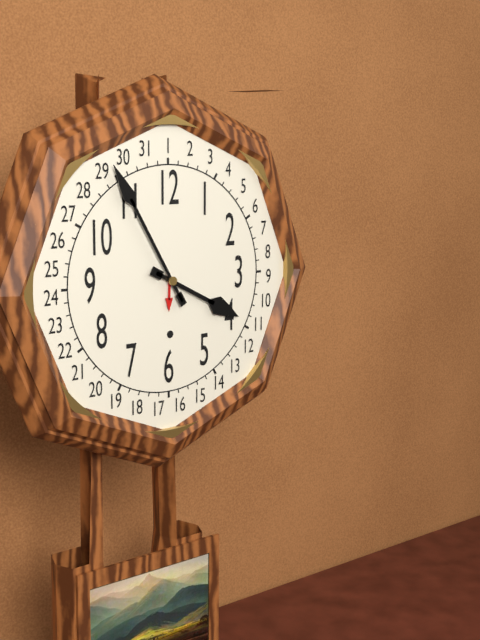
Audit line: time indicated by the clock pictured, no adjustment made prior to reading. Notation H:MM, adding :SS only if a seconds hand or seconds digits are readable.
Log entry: 3:55
